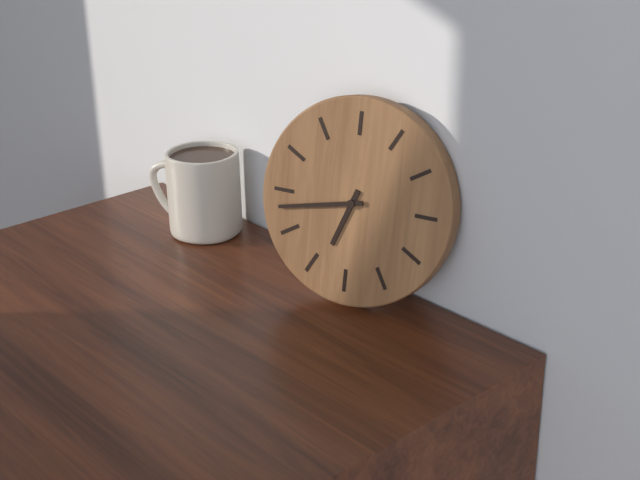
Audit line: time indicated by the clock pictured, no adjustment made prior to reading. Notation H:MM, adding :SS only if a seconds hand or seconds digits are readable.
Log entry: 6:43
